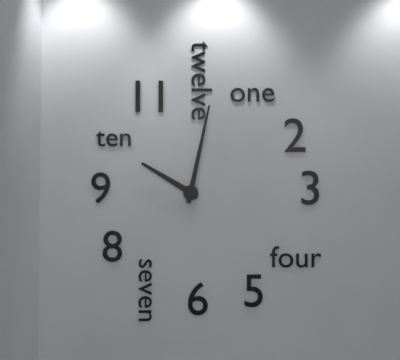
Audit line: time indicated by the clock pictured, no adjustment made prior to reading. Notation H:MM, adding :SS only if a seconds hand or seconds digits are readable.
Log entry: 10:02
